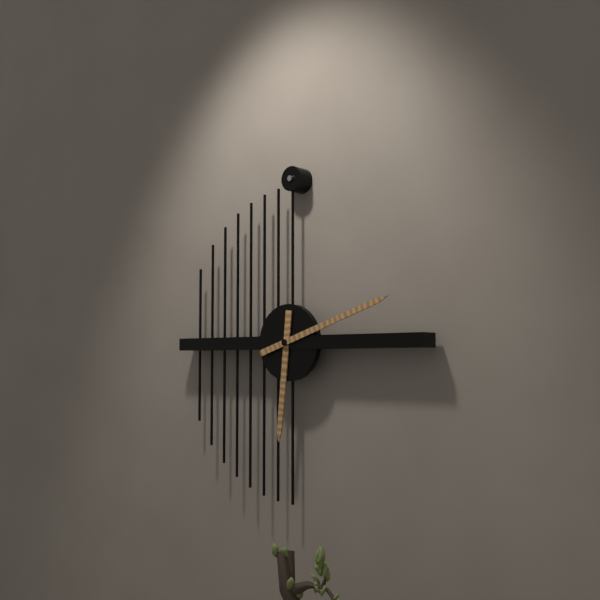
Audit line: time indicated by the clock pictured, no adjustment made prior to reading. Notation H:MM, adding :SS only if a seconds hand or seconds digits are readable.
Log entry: 6:12
